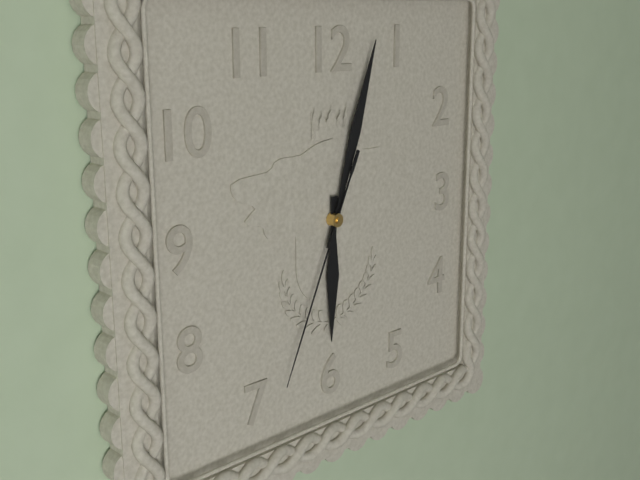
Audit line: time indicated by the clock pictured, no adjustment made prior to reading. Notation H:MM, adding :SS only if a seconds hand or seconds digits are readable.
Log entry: 6:03:34
